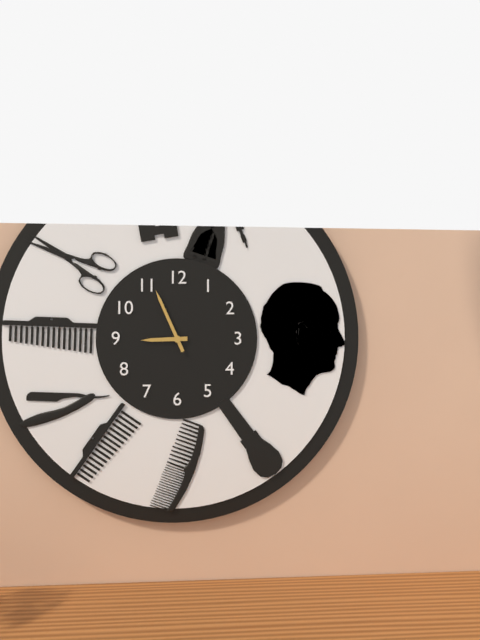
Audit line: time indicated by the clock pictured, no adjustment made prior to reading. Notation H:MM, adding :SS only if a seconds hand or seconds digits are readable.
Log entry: 8:56
